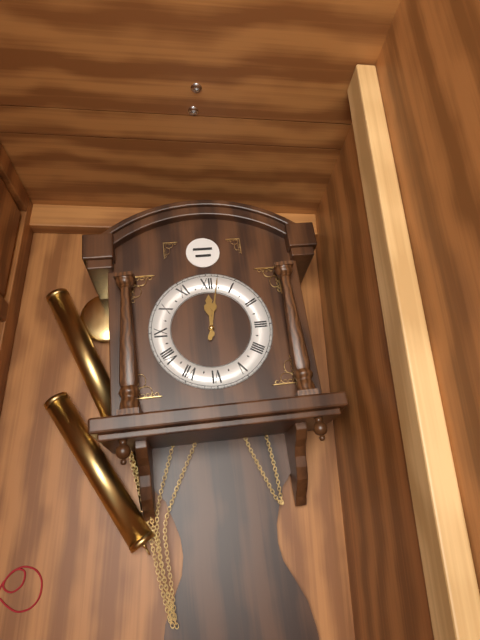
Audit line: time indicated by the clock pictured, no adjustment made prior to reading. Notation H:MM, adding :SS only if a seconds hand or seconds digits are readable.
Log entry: 12:02
